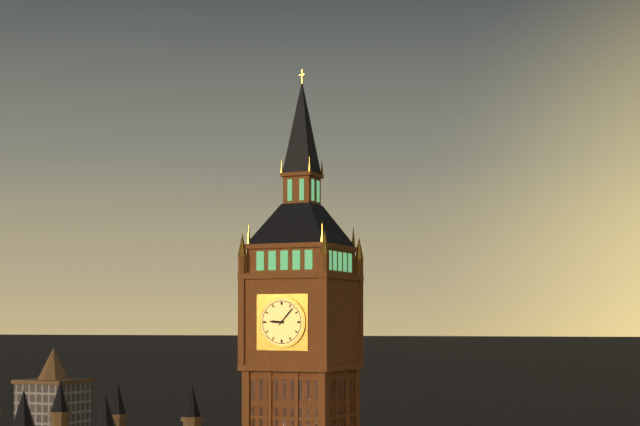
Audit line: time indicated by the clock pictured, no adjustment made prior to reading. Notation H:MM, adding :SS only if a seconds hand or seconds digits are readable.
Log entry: 9:07
